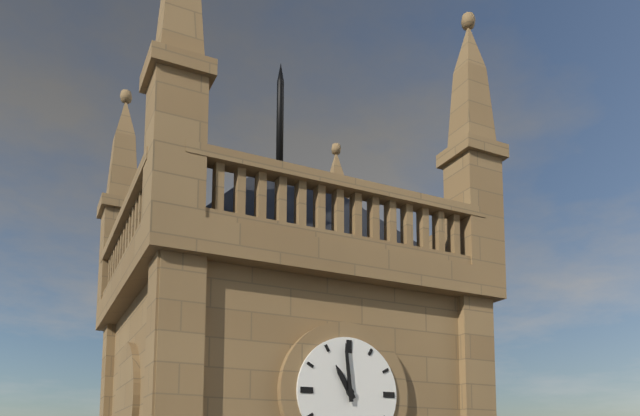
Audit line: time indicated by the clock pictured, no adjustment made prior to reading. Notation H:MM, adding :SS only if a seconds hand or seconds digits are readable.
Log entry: 10:59
